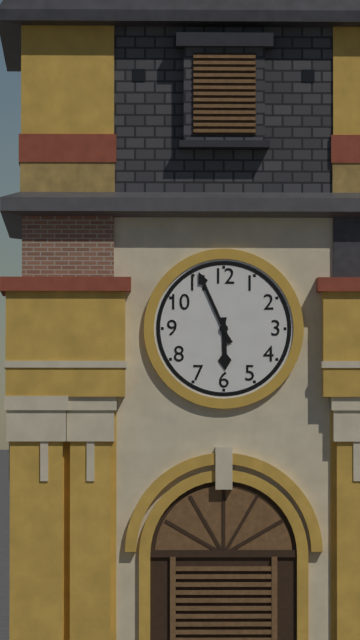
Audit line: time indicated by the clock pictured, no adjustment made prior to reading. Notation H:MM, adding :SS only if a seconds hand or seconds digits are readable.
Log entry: 5:56
